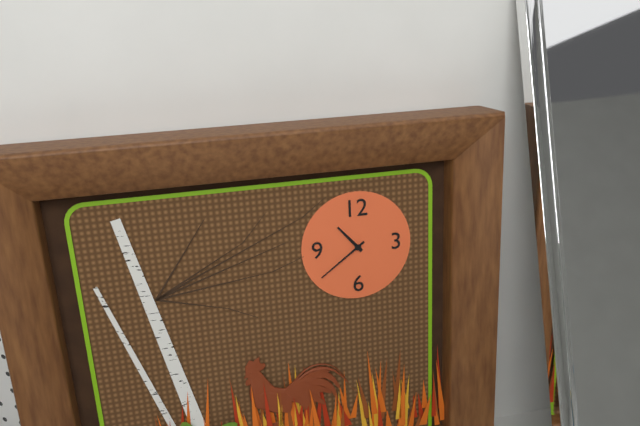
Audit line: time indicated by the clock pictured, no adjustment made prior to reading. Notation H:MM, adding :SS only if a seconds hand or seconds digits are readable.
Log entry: 10:39
